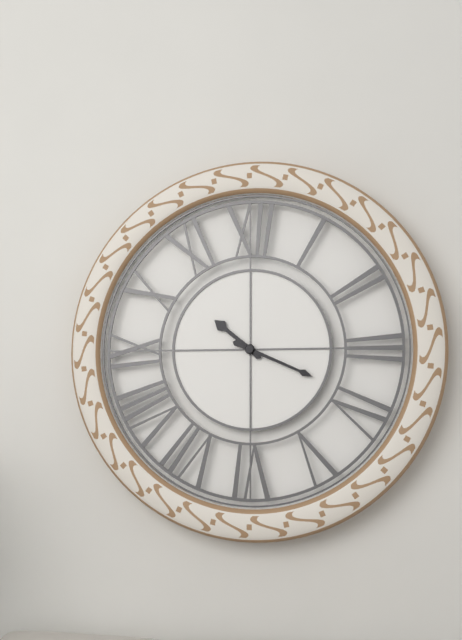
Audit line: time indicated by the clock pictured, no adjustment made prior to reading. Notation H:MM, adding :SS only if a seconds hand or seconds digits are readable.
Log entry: 10:19
